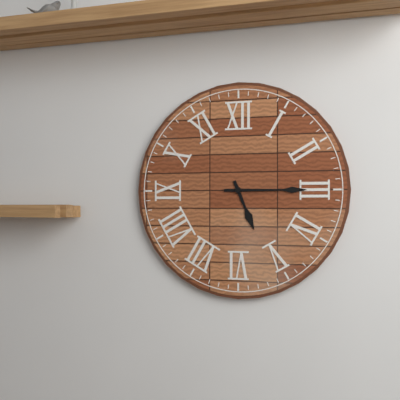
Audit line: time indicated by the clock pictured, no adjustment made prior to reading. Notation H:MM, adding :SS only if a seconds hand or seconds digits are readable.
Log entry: 5:15
